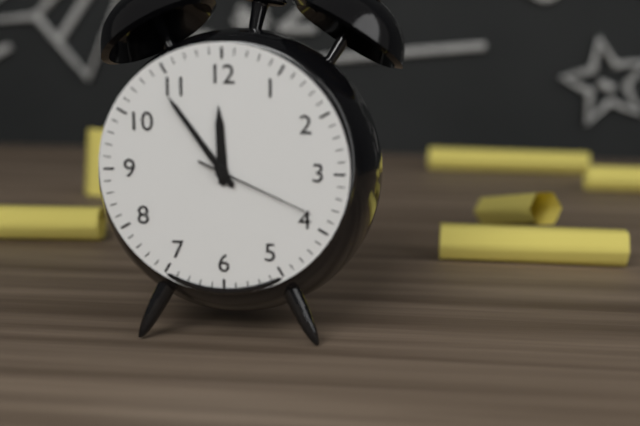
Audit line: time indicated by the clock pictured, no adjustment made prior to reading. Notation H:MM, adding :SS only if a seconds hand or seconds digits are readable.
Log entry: 11:54:19
